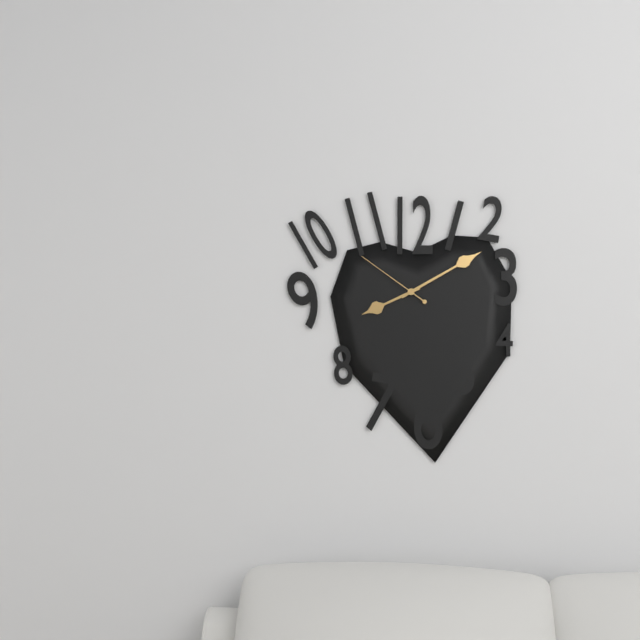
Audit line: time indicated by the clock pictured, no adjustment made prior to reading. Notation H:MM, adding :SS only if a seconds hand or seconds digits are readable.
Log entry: 8:10:51
